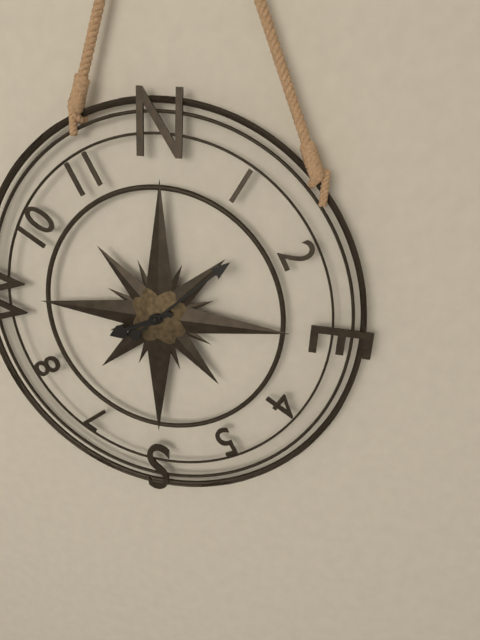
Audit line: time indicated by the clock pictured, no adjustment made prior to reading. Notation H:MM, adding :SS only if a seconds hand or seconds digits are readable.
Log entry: 8:08
